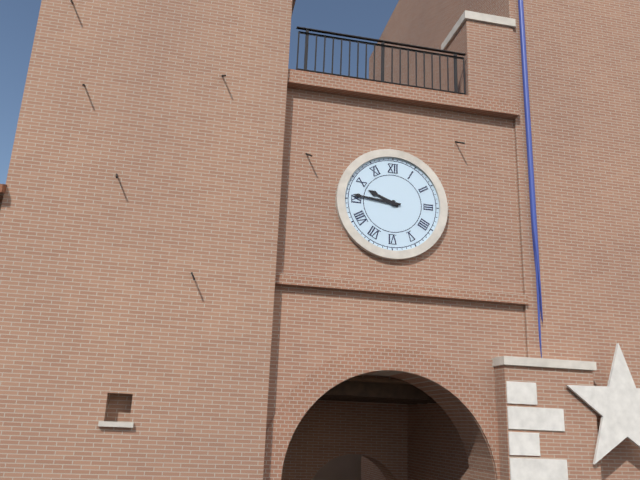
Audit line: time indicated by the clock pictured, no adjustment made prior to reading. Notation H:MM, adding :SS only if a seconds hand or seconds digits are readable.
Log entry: 9:46
